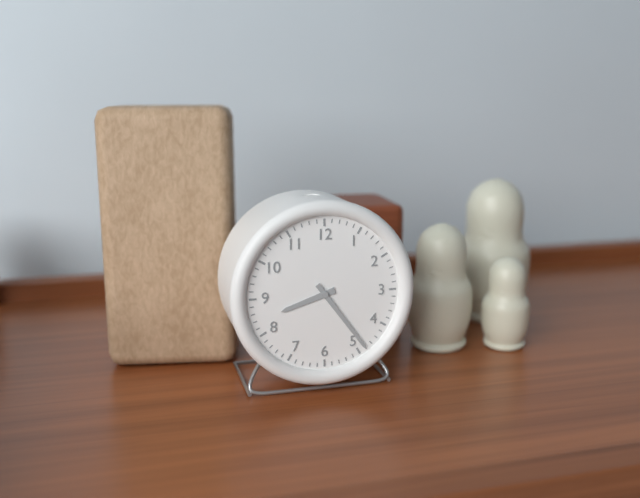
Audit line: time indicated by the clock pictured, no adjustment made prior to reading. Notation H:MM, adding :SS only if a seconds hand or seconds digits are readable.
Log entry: 8:24
